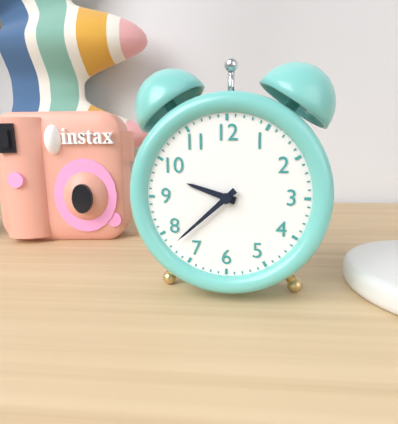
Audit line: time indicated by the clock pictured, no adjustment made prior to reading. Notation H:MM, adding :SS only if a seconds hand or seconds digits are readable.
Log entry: 9:38
